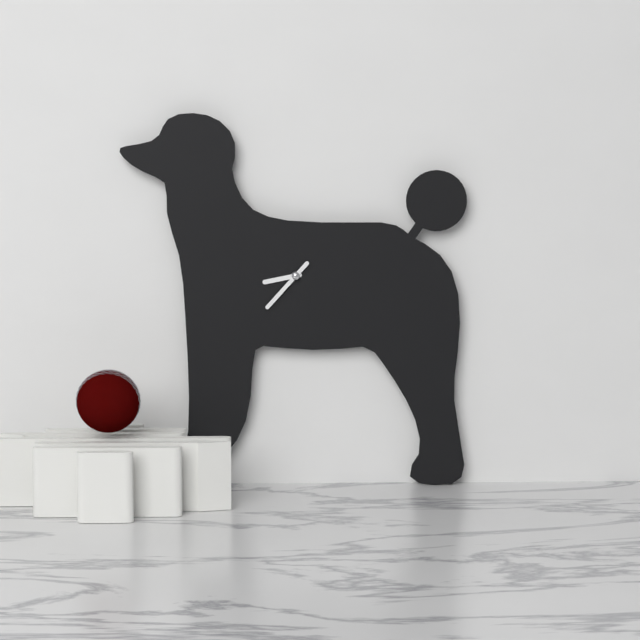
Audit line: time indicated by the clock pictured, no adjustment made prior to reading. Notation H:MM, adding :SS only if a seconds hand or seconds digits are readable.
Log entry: 8:37
